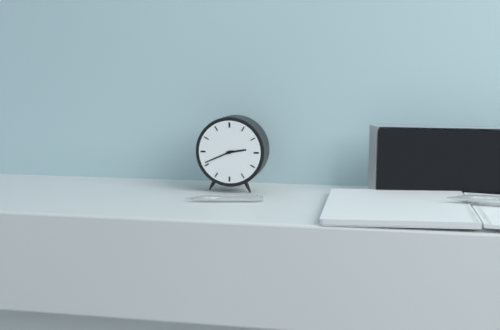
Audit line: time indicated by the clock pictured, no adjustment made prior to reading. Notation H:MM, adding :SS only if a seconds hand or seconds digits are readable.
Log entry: 2:41
